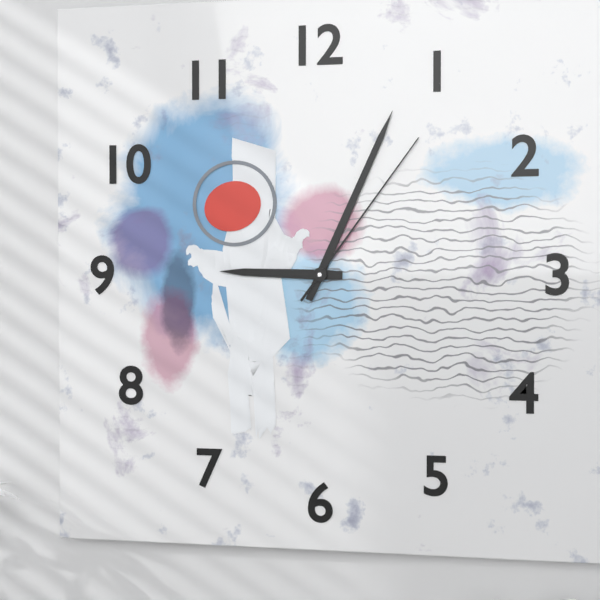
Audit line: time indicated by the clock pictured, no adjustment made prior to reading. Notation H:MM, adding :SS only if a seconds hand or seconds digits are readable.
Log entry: 9:04:06
